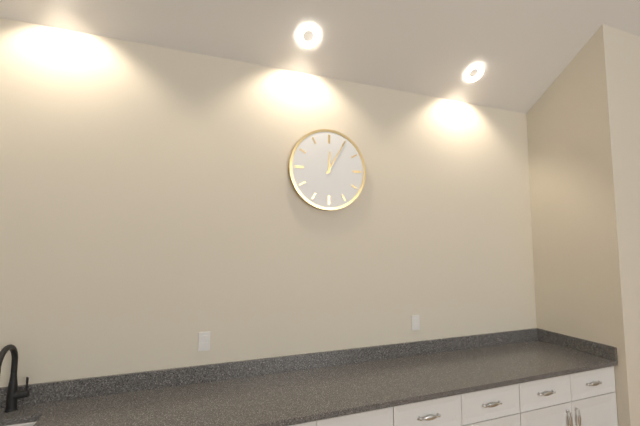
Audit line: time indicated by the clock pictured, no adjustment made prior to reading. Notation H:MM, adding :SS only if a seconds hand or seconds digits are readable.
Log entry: 12:05
